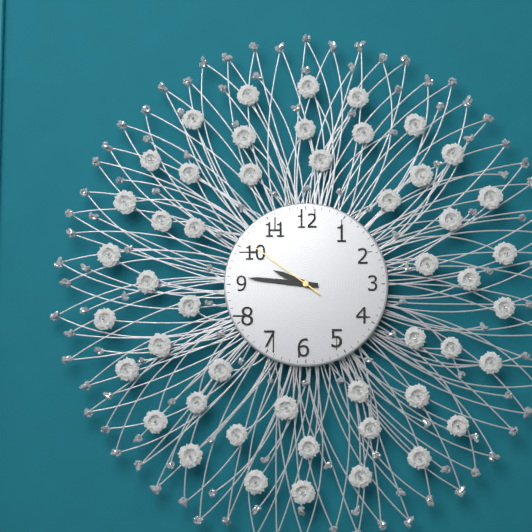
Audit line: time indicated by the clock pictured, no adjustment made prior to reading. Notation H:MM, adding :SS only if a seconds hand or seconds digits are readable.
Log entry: 9:46:51
